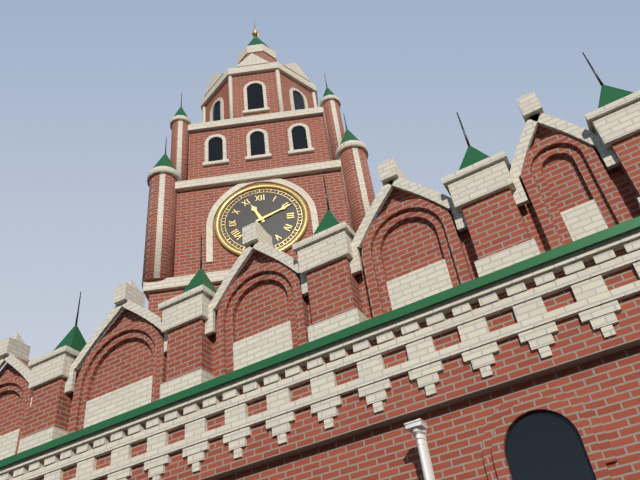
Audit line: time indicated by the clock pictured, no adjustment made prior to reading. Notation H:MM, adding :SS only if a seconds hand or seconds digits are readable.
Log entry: 11:11
